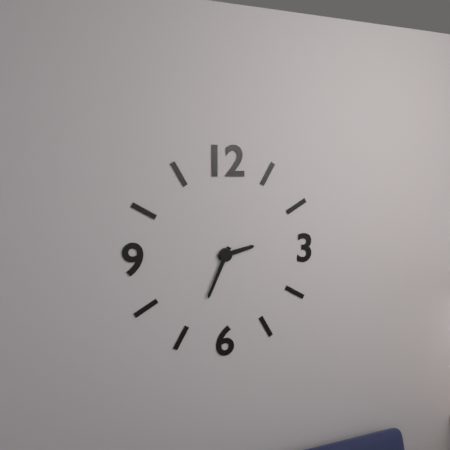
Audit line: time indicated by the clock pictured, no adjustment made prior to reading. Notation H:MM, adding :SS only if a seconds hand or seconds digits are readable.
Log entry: 2:34
